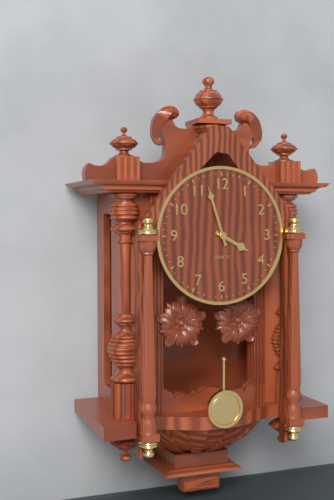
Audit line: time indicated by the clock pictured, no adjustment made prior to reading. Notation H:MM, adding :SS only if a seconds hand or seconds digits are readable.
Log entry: 3:57
